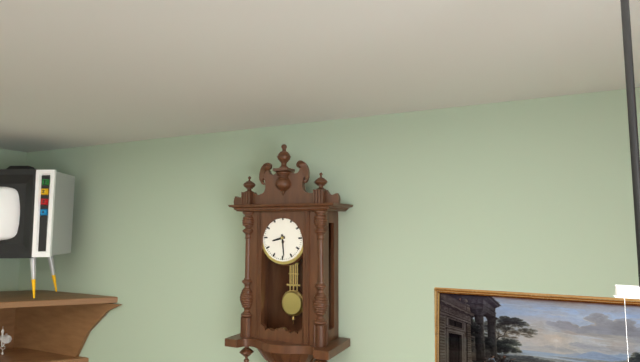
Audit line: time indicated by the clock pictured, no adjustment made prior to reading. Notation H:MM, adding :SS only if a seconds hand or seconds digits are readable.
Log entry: 8:29
